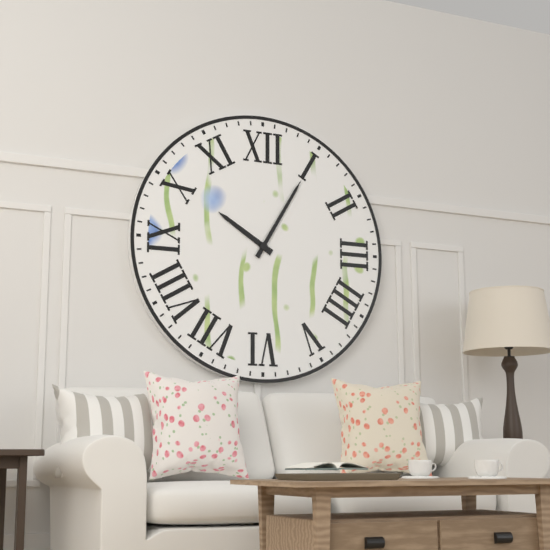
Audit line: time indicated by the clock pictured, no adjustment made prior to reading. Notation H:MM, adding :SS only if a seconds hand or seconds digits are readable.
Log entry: 10:05
